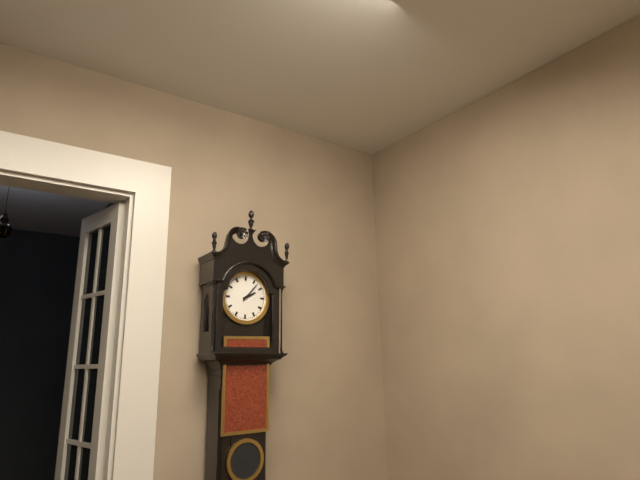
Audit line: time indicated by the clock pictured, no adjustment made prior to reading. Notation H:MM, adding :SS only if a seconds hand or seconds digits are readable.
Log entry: 2:07
